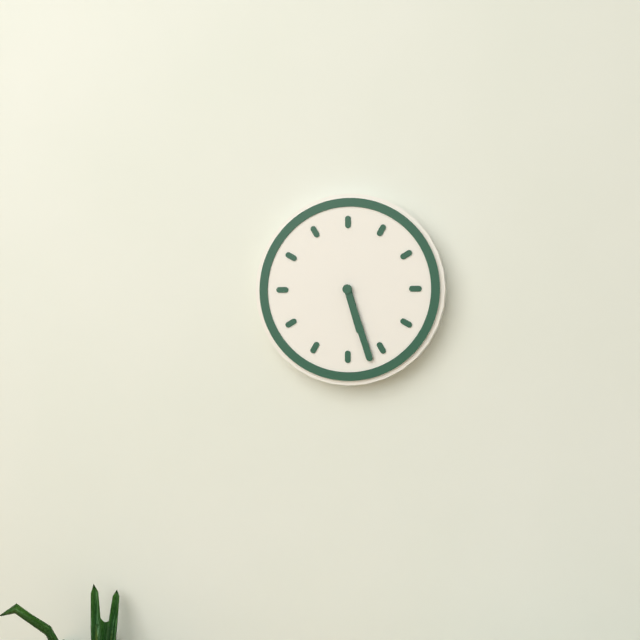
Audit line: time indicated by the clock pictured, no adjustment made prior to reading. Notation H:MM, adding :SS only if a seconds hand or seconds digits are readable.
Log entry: 5:27
